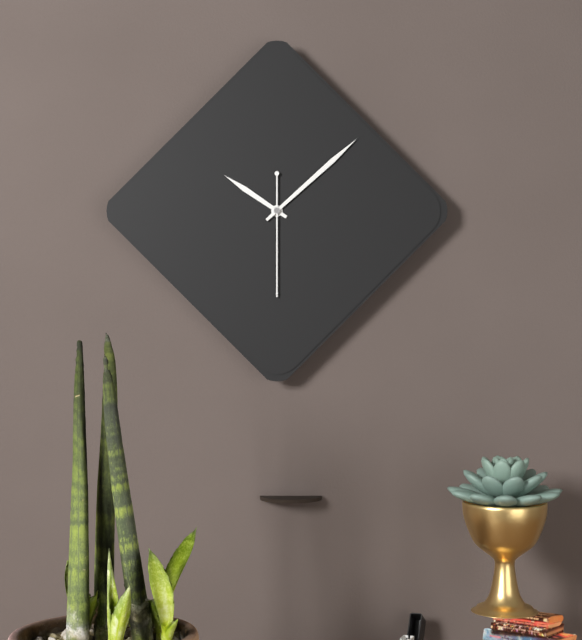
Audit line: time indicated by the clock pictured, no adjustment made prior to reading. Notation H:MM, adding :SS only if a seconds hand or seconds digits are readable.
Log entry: 10:08:30
